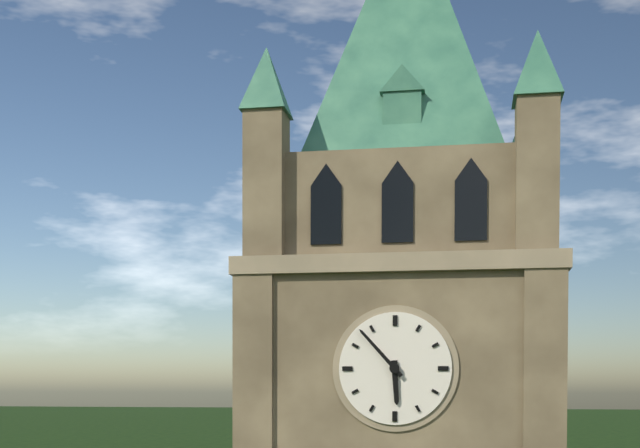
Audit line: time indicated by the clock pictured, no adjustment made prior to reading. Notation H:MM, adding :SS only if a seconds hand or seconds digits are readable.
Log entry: 5:53
